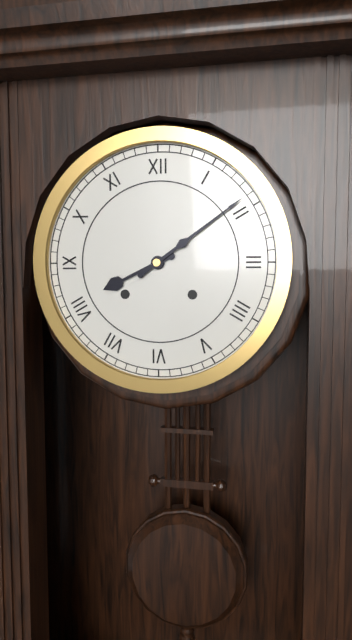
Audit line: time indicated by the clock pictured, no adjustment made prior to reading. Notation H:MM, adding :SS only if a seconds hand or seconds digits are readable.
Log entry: 8:09
